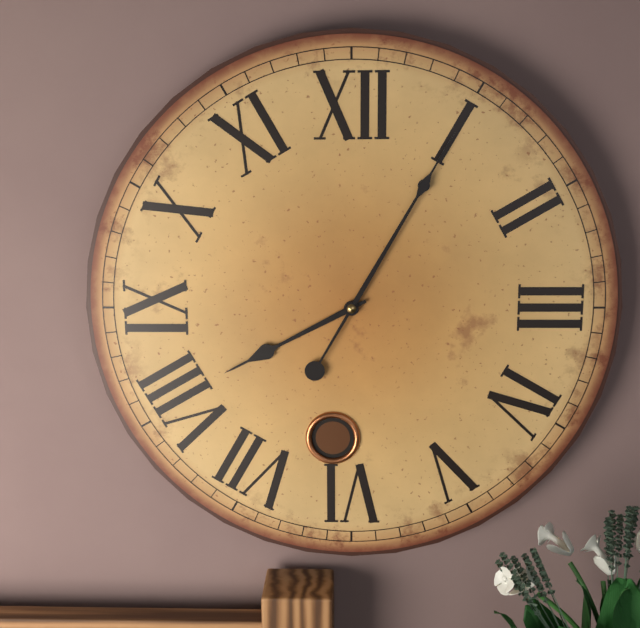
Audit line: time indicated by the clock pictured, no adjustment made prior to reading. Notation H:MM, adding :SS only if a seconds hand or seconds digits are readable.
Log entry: 8:05
